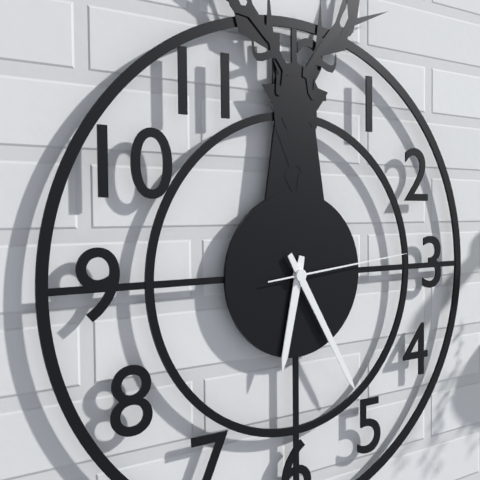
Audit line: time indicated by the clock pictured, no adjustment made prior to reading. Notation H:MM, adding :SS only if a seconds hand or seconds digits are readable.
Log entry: 6:25:14
